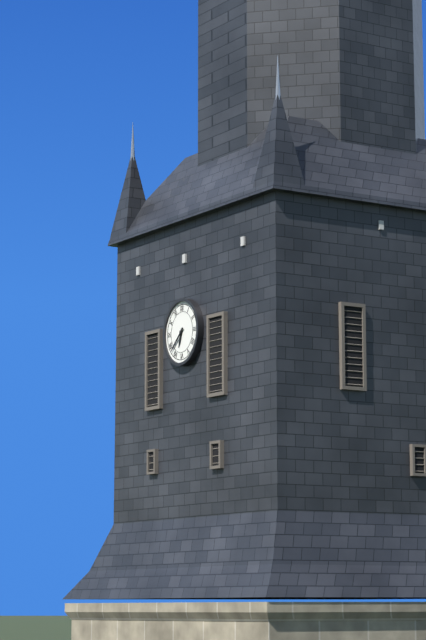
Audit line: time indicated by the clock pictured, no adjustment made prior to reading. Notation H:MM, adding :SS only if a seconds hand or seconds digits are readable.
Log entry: 6:38
